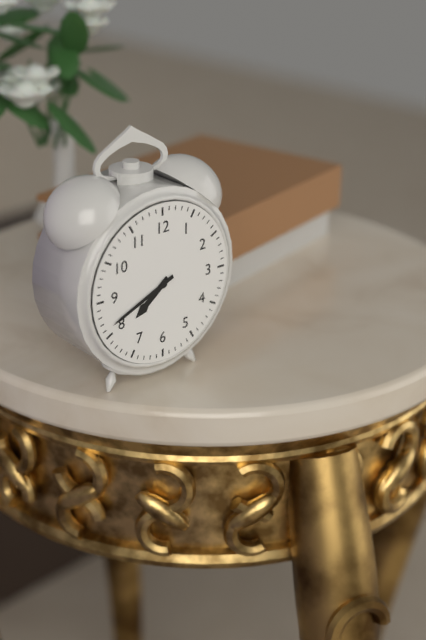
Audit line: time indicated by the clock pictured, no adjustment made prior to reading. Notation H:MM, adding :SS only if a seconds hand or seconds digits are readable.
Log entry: 7:41
